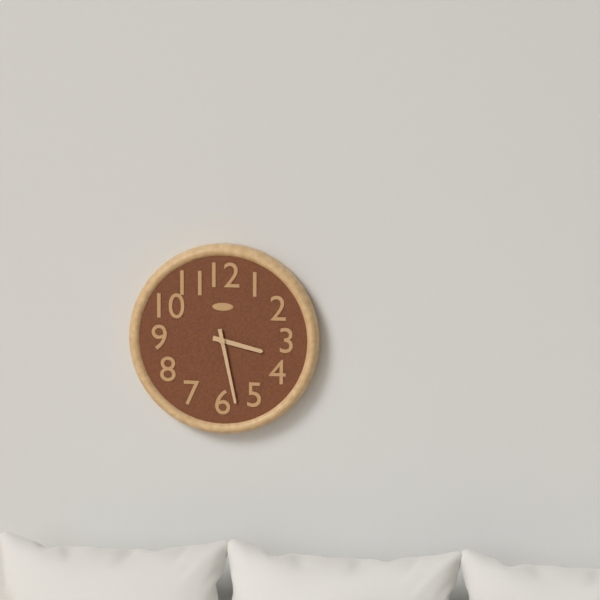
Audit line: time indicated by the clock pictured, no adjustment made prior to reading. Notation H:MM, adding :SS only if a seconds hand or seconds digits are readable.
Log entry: 3:28
